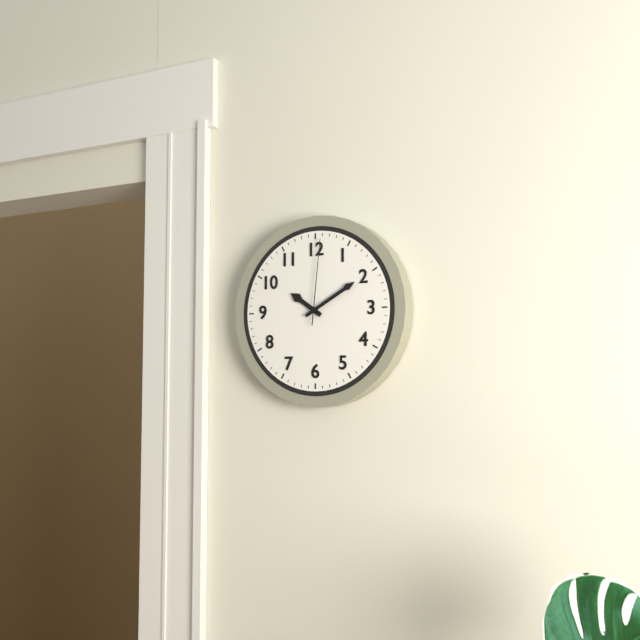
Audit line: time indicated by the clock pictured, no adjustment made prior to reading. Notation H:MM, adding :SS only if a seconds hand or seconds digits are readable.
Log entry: 10:10:01
